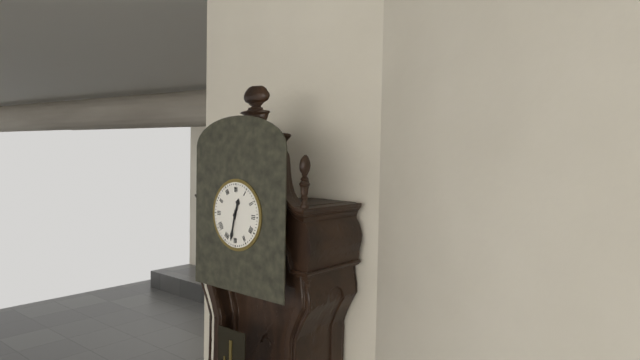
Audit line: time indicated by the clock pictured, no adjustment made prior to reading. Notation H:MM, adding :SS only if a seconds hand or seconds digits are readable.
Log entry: 12:32
